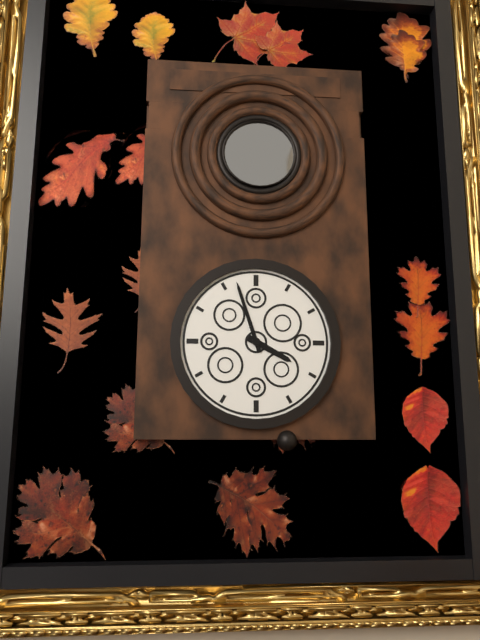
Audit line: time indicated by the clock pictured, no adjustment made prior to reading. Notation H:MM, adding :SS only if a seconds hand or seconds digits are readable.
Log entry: 3:57
